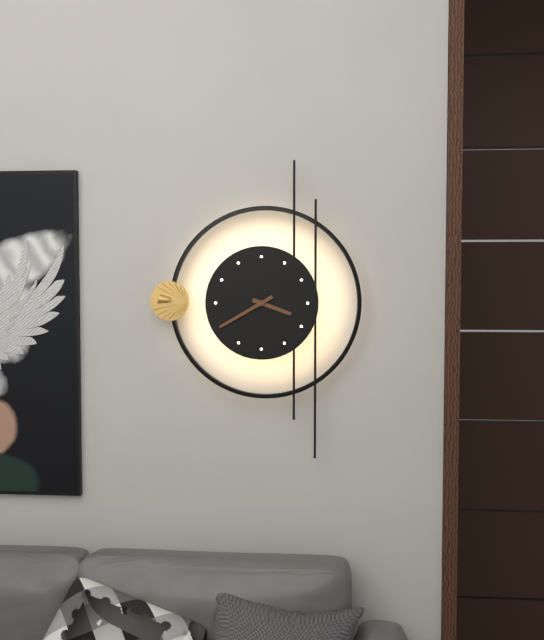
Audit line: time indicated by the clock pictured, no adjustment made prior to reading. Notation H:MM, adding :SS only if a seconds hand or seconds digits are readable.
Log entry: 3:40
